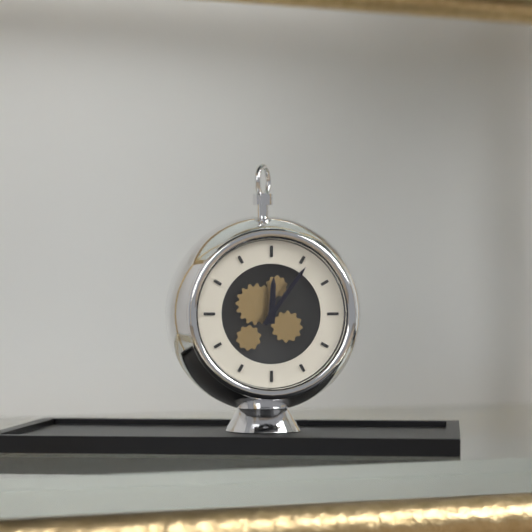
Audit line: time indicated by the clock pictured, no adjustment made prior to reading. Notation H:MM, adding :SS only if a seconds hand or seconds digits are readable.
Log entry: 12:06
